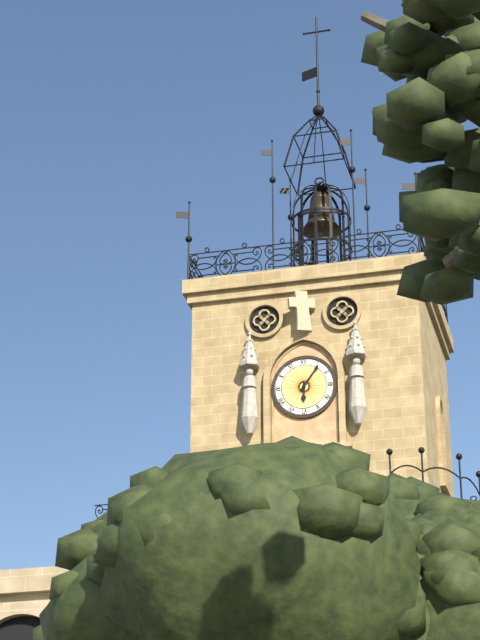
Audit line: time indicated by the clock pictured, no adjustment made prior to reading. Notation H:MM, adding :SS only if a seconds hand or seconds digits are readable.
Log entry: 6:06
